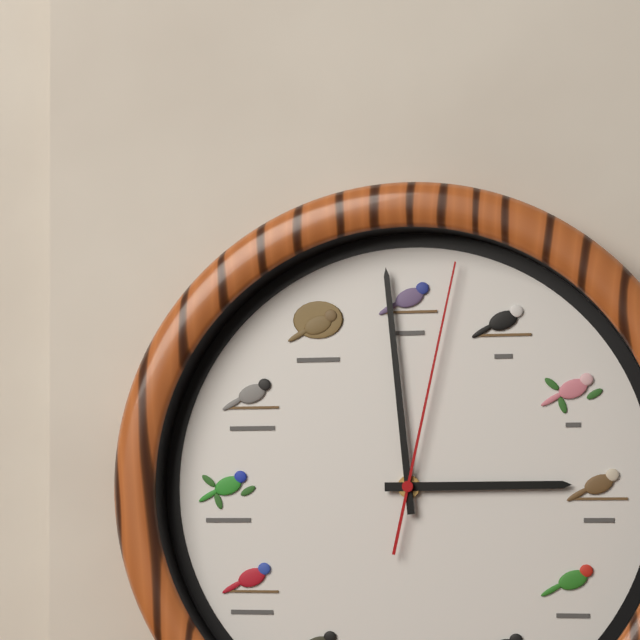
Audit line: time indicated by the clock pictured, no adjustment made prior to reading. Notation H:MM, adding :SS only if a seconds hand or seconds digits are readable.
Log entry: 2:59:02
